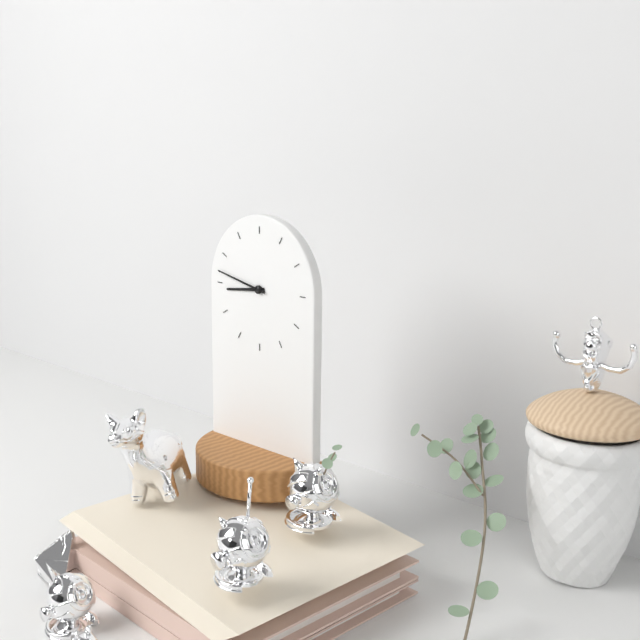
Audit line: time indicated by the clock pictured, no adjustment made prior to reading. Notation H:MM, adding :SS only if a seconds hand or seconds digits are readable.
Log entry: 8:47
